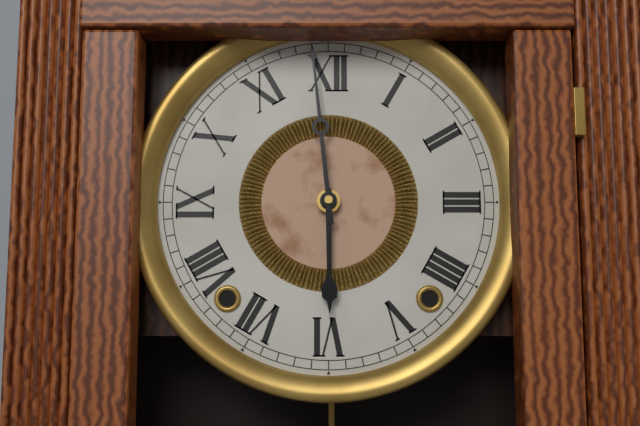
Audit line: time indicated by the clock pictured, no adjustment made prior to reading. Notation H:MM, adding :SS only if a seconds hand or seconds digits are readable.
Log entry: 5:59
